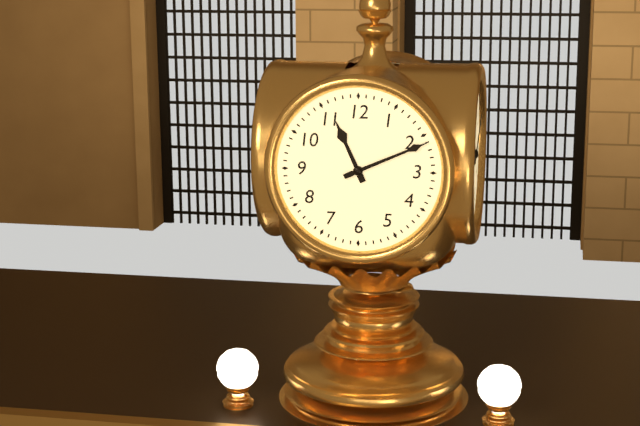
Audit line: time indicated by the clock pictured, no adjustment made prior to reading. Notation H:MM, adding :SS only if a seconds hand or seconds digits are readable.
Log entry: 11:11
